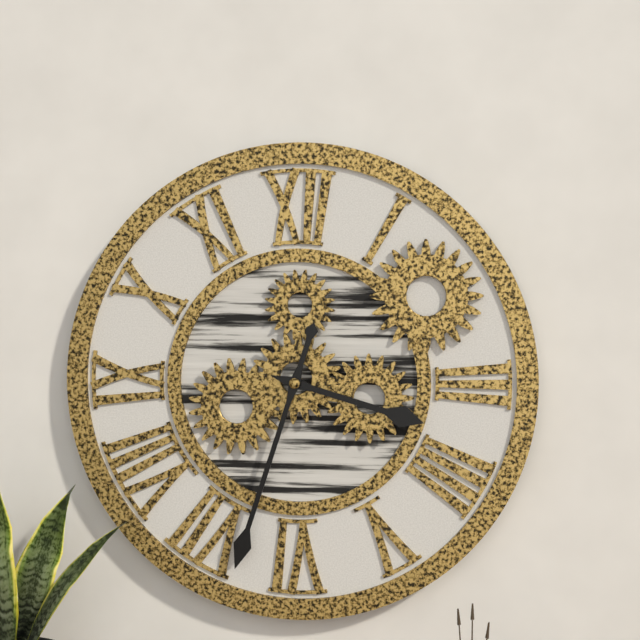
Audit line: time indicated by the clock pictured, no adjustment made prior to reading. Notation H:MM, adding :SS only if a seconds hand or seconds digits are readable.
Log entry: 3:33
